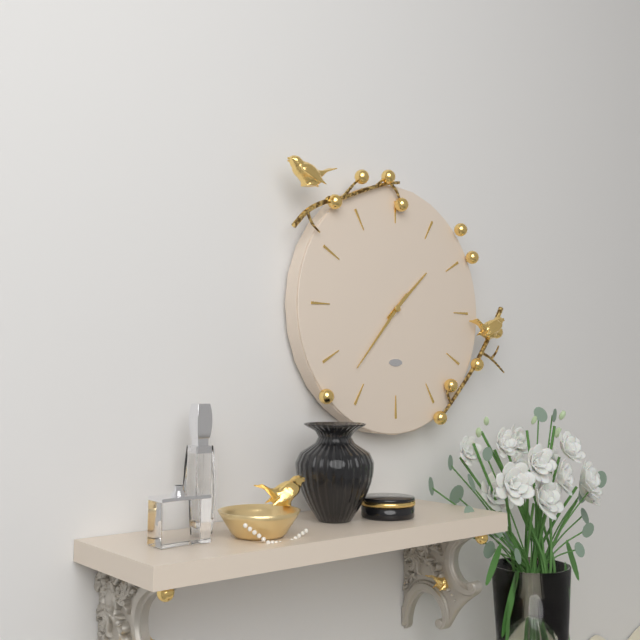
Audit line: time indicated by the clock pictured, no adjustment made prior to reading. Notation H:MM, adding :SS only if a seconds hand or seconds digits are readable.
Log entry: 1:37
